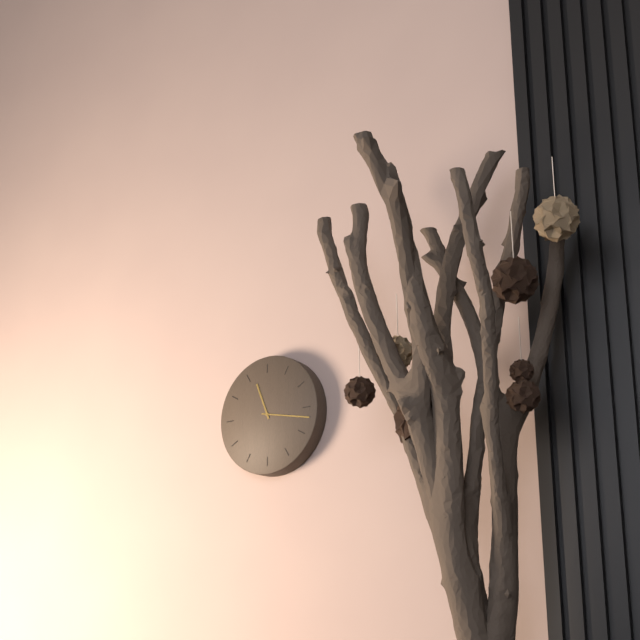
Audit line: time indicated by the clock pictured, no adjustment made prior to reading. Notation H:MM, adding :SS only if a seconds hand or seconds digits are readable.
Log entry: 11:17
